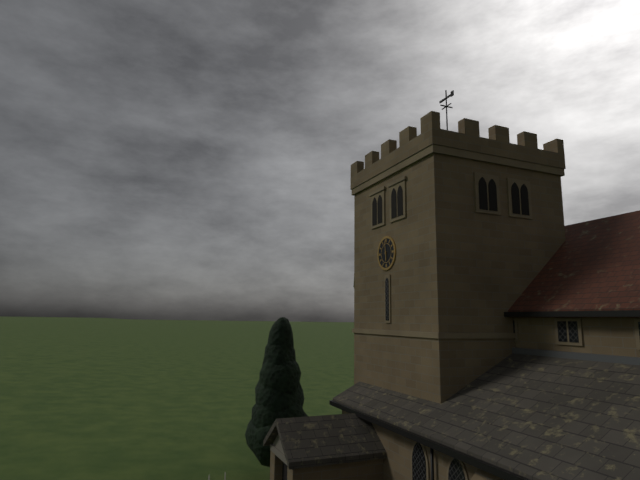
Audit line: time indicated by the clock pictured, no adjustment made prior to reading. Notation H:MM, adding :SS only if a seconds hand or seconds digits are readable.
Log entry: 5:59
